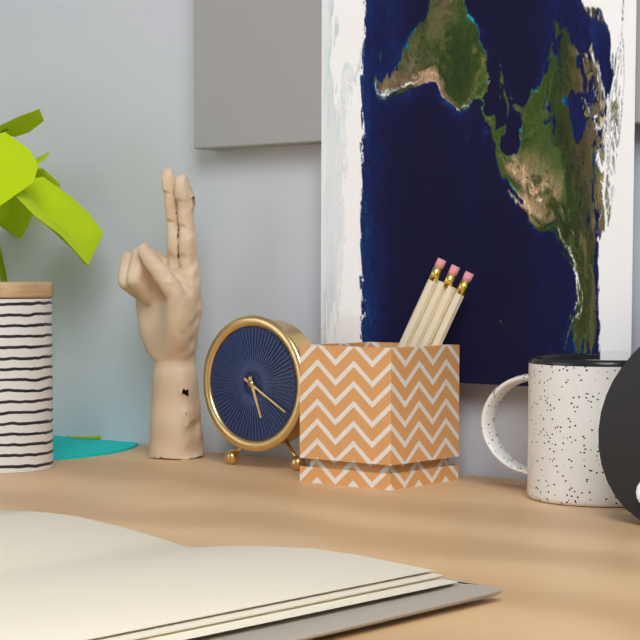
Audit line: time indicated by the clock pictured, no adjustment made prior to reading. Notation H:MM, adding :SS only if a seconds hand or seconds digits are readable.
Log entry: 5:20
